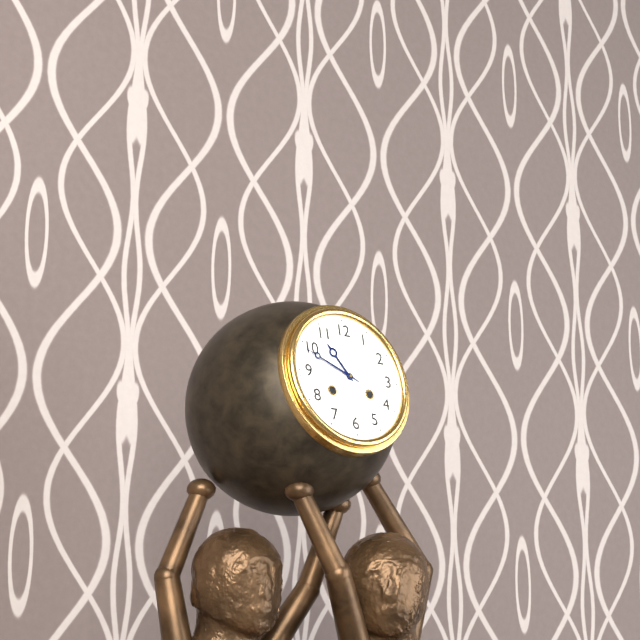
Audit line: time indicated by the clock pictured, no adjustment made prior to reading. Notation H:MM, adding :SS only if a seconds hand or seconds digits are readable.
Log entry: 10:49
